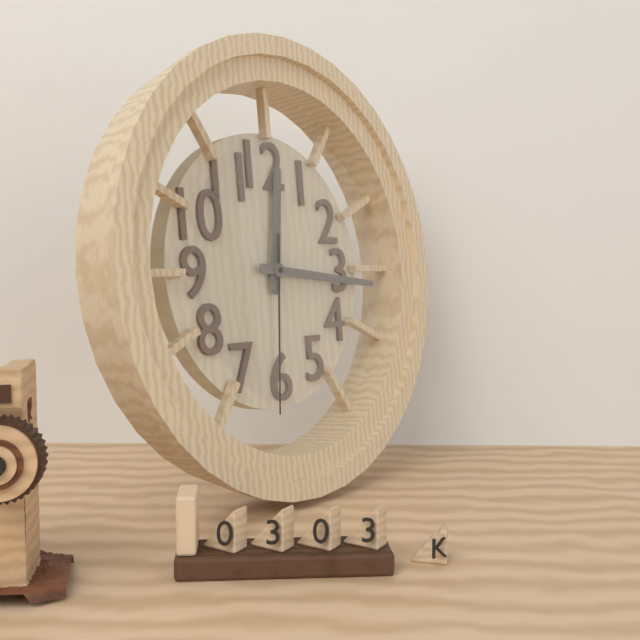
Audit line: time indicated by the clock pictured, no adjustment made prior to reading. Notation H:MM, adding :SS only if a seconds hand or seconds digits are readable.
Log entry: 12:16:31
